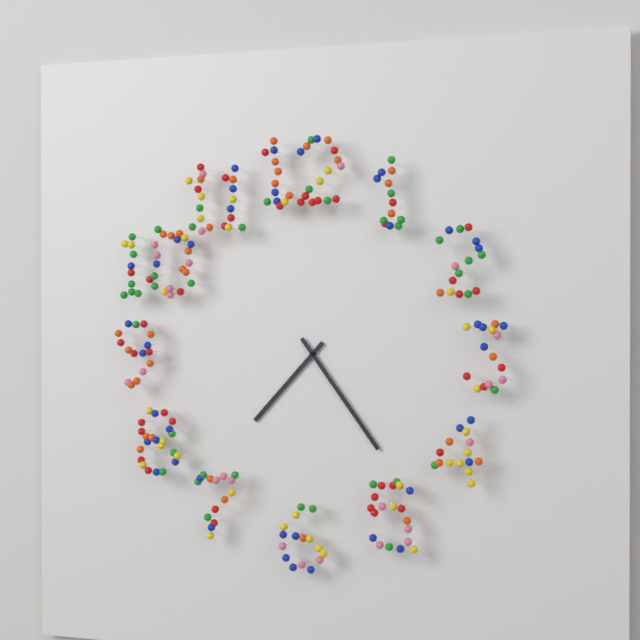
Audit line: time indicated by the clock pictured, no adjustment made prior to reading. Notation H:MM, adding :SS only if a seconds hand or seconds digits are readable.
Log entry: 7:24
